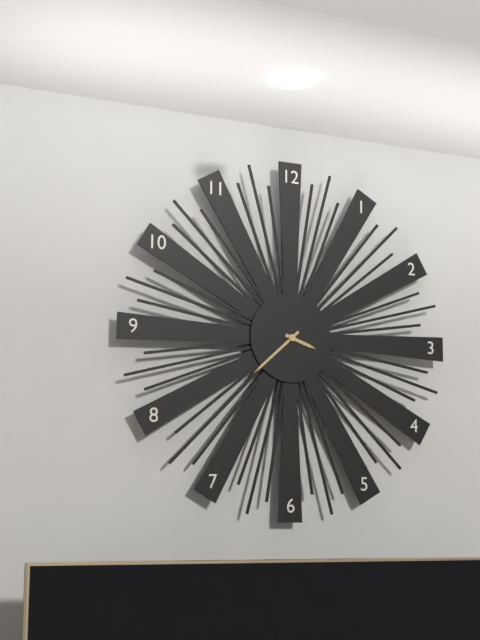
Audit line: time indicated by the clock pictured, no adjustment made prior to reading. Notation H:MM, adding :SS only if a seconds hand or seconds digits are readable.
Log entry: 3:38
